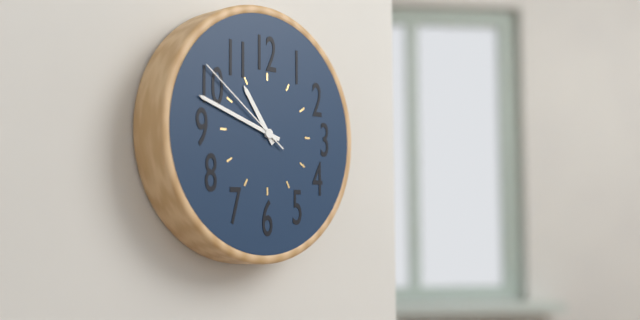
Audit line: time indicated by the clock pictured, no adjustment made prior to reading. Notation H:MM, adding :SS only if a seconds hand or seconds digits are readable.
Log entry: 10:48:51
